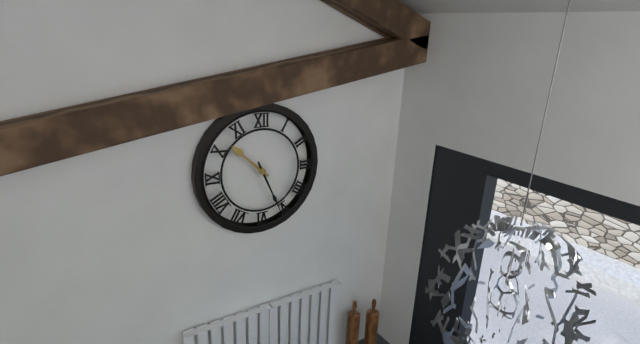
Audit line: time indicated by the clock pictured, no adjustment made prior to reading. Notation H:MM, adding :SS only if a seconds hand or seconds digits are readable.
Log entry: 10:26
